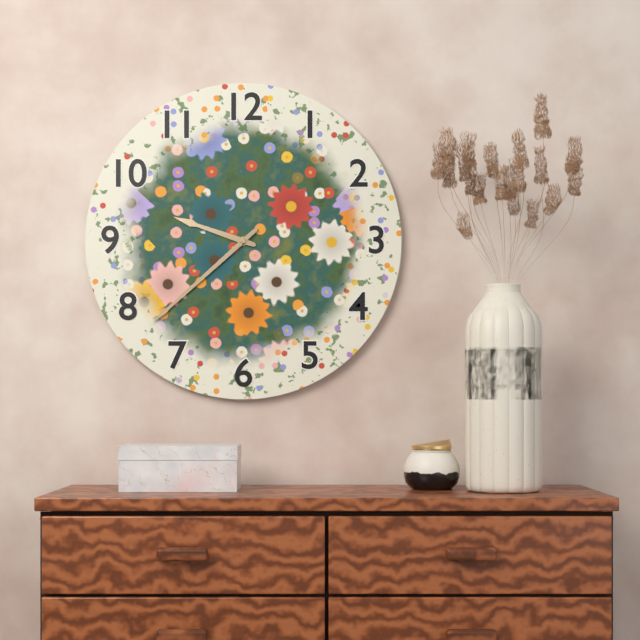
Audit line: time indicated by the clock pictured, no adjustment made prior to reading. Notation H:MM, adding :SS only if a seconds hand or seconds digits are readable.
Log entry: 9:38
